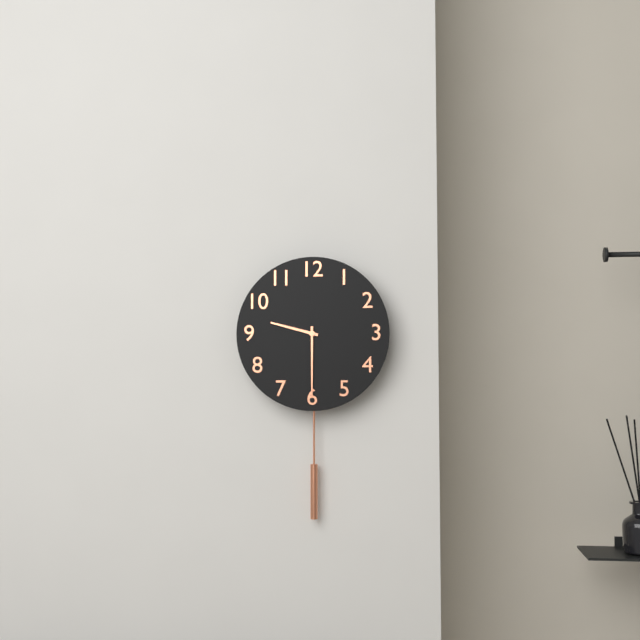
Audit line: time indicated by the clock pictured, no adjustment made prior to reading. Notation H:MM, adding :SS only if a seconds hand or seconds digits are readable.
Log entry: 9:30
